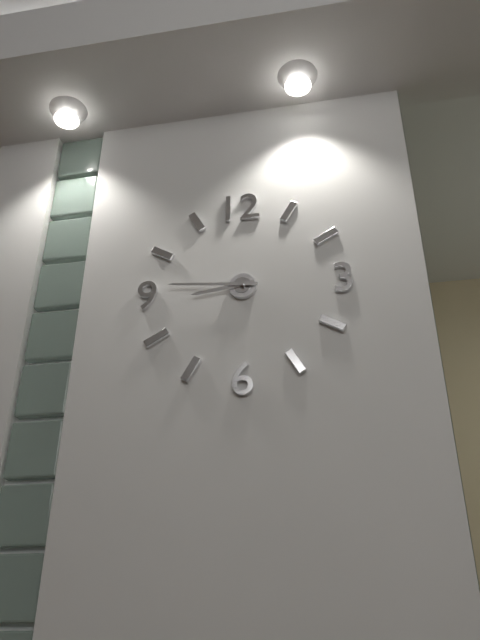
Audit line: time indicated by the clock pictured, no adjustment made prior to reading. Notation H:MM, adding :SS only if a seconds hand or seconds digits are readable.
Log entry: 8:46
